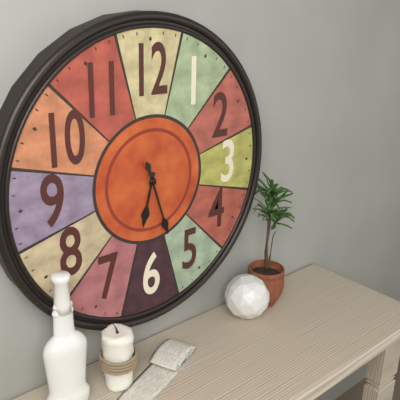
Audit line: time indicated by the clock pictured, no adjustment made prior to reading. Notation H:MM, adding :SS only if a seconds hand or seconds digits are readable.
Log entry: 6:27
